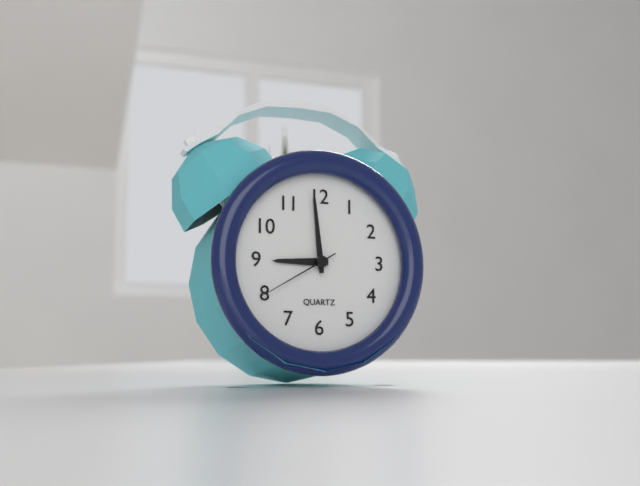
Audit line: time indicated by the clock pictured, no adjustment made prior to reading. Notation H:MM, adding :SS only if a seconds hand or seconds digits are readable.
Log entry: 8:59:40
